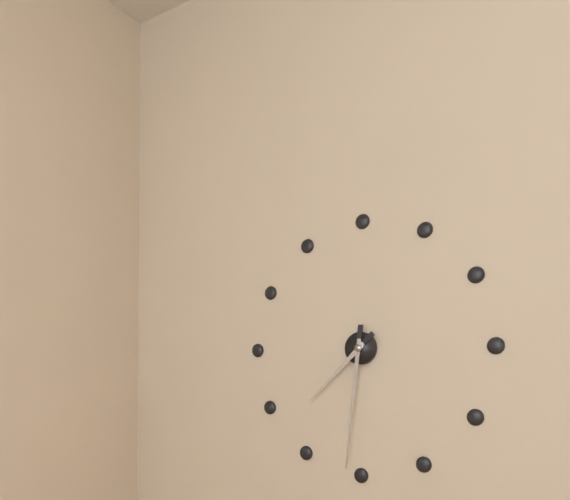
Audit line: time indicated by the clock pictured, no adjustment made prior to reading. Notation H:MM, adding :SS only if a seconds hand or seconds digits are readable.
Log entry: 7:31
